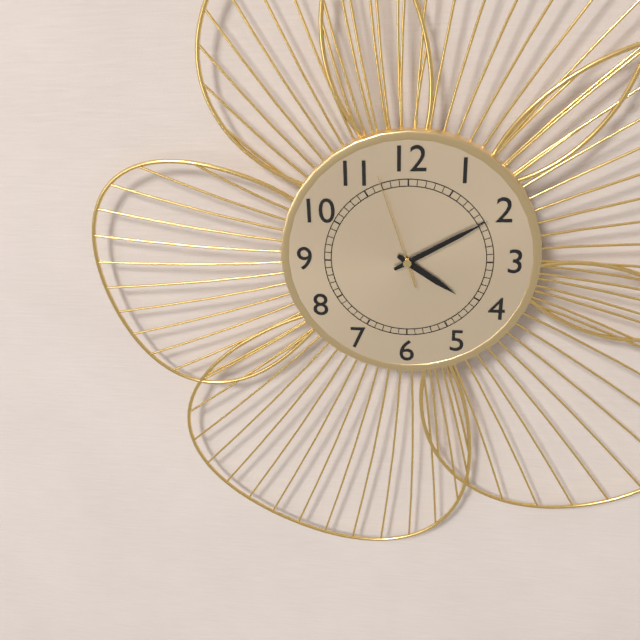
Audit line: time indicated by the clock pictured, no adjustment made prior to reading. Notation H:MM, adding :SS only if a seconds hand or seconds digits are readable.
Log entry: 4:10:57
